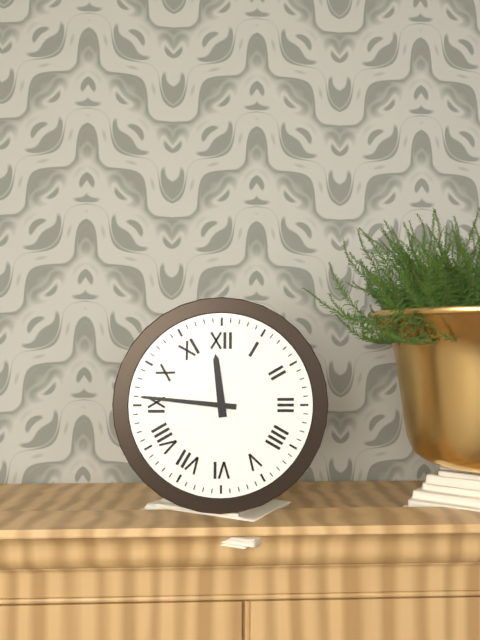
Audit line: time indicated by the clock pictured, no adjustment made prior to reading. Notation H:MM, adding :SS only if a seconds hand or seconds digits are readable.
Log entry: 11:46
